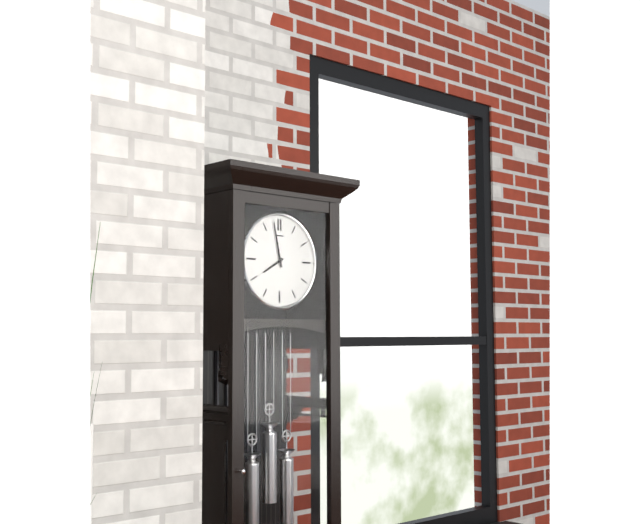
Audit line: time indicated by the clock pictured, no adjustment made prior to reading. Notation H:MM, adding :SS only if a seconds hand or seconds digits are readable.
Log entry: 7:58
